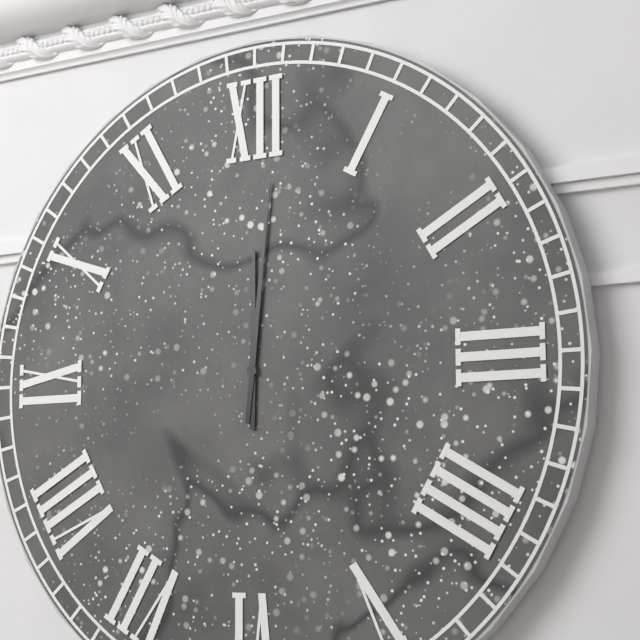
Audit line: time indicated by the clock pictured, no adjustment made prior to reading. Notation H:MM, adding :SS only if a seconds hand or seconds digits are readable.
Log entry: 12:01
